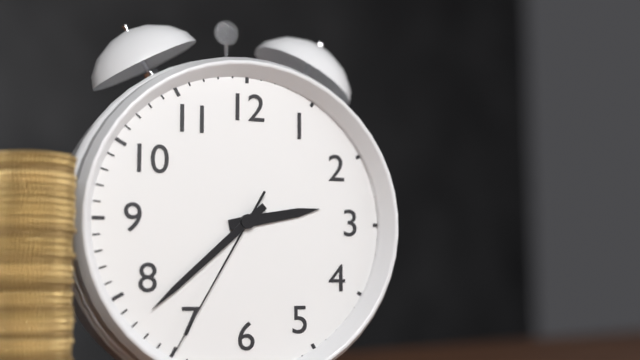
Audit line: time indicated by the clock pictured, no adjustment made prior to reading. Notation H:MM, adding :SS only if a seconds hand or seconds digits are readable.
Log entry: 2:38:35
